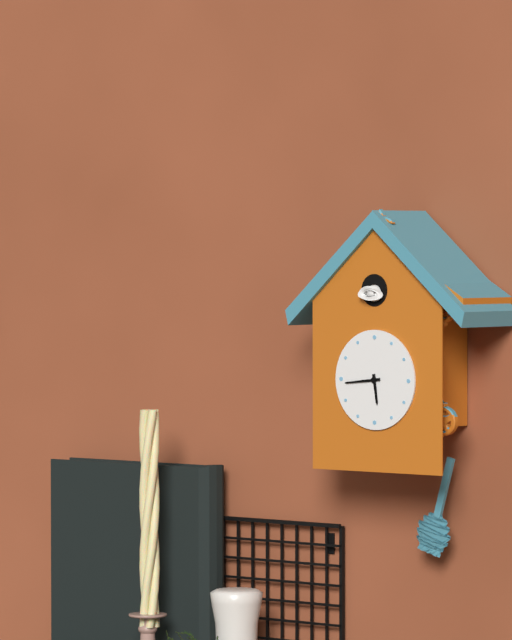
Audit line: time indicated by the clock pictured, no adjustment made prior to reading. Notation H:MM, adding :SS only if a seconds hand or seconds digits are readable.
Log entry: 5:44
